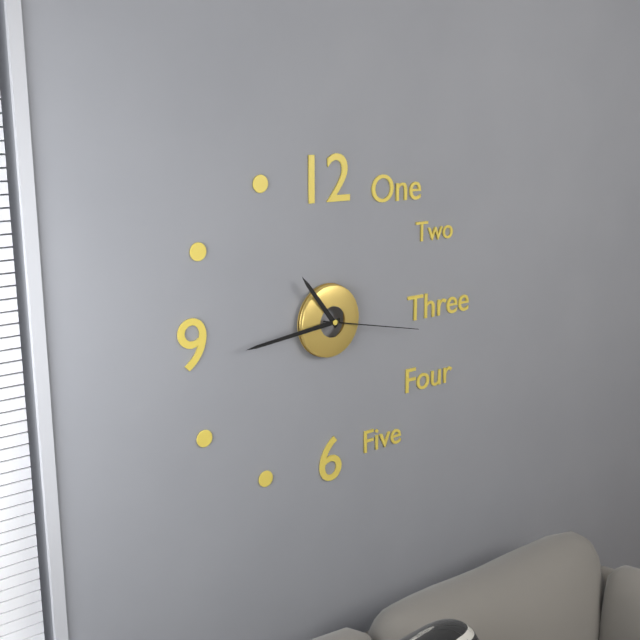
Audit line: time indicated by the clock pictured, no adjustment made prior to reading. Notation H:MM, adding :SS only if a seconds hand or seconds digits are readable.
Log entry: 10:44:17
